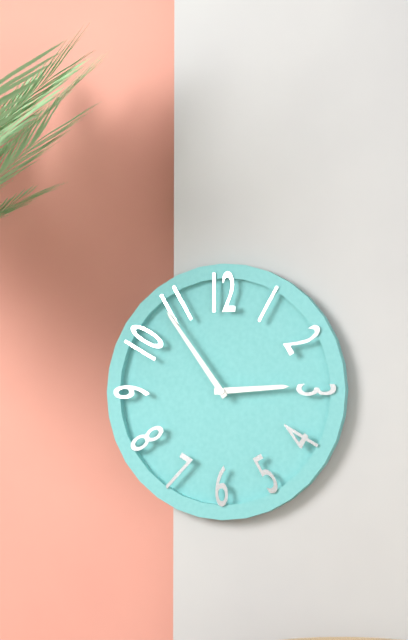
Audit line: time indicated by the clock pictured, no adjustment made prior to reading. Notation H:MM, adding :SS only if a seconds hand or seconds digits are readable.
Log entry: 2:54
